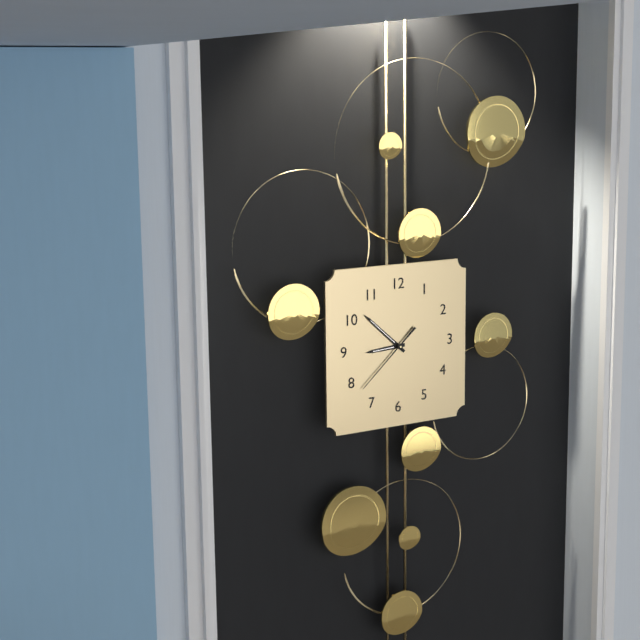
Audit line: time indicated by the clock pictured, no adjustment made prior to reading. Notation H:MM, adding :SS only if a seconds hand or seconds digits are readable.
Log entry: 8:52:38
